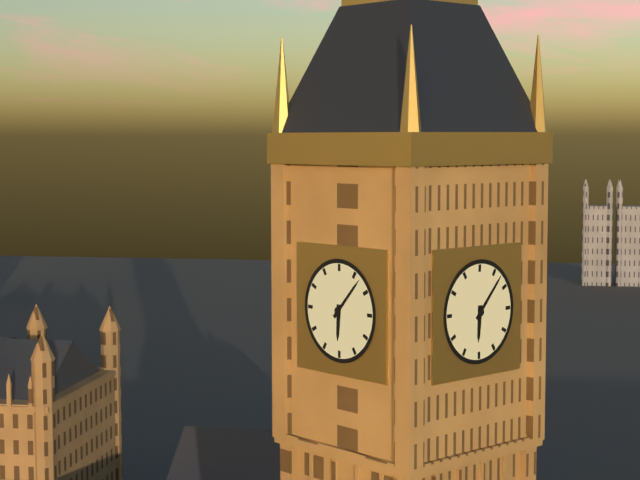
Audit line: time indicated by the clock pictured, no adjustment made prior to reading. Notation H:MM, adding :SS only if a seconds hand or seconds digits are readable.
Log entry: 6:07
